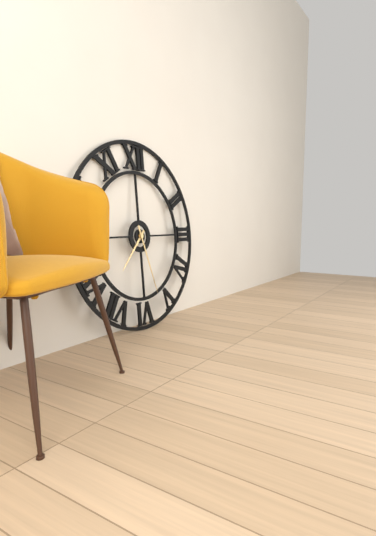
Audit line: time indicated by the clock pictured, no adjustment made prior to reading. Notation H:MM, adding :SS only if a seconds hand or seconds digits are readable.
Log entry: 7:27
